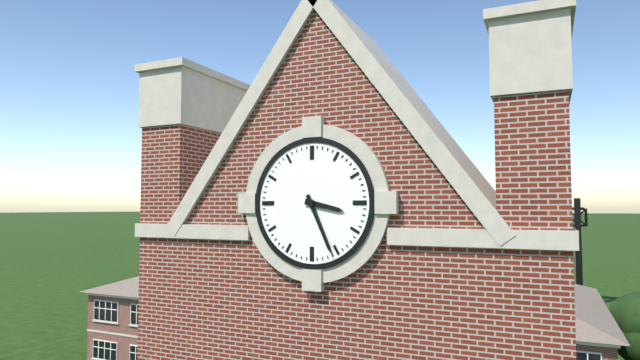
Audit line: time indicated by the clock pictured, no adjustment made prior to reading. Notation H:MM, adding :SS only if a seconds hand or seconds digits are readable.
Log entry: 3:26
